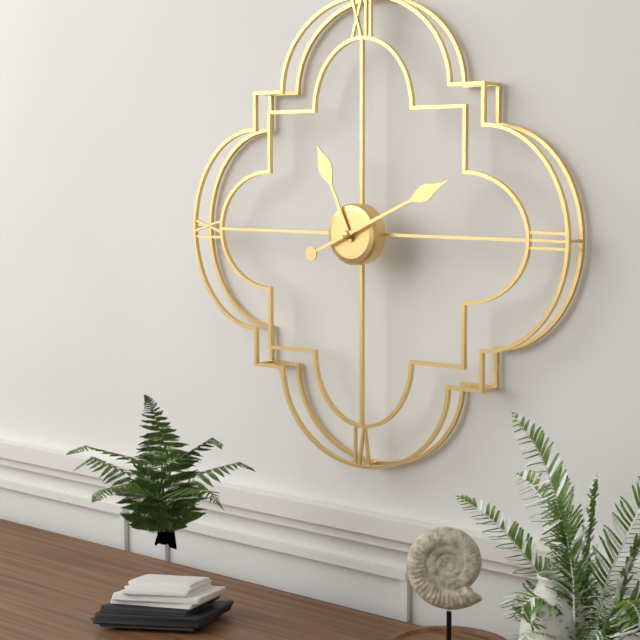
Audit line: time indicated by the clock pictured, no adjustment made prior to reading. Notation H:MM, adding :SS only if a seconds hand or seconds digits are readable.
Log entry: 11:11
